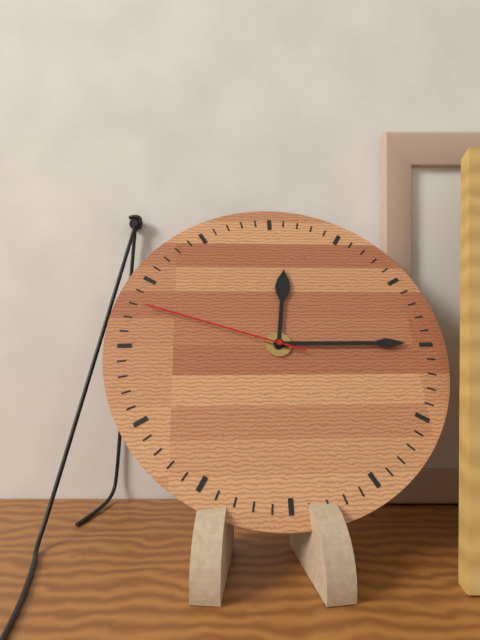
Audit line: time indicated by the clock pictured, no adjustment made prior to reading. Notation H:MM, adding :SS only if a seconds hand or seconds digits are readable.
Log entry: 12:15:48
